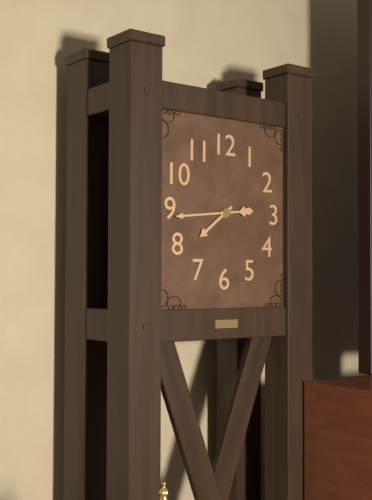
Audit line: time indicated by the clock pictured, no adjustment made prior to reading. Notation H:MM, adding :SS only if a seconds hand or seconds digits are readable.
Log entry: 7:44
